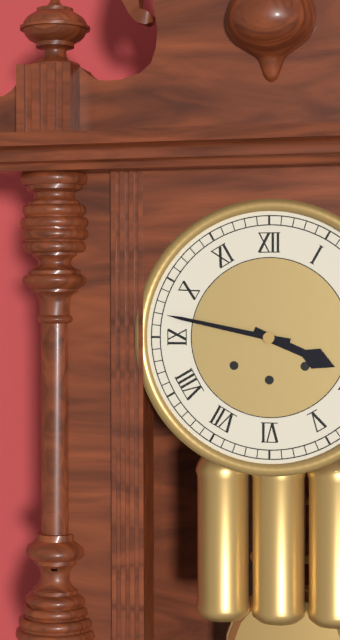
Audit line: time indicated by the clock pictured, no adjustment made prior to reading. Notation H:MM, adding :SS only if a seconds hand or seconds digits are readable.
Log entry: 3:47
